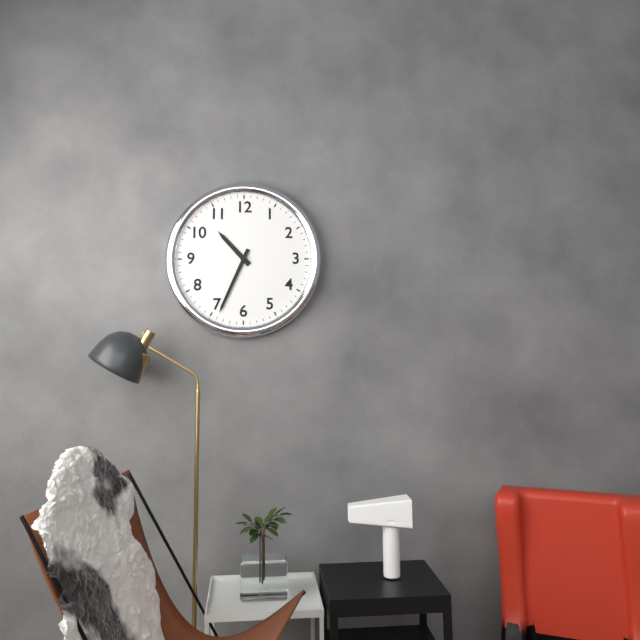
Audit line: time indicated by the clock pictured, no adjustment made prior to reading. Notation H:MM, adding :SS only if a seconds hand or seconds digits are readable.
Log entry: 10:34
